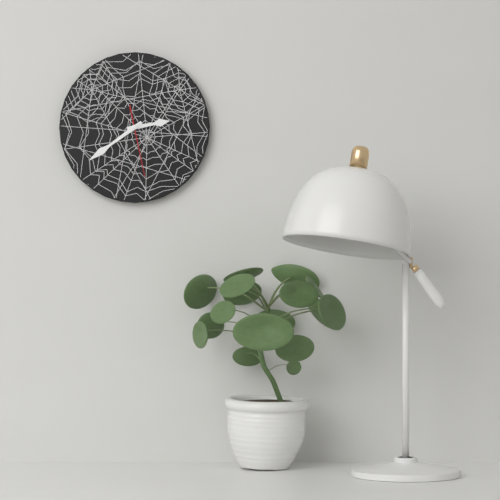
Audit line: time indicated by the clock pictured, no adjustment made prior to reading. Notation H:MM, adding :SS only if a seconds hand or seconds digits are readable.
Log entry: 2:39:28
